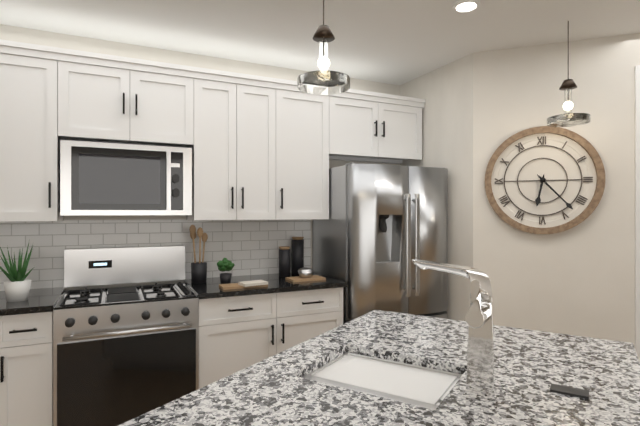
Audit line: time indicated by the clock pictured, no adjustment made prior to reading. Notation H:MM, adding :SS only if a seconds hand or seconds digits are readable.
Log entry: 6:23
